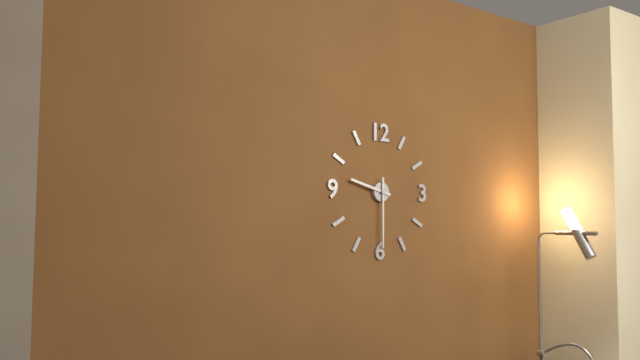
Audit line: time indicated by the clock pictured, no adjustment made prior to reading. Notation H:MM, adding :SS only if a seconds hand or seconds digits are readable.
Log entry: 9:30
